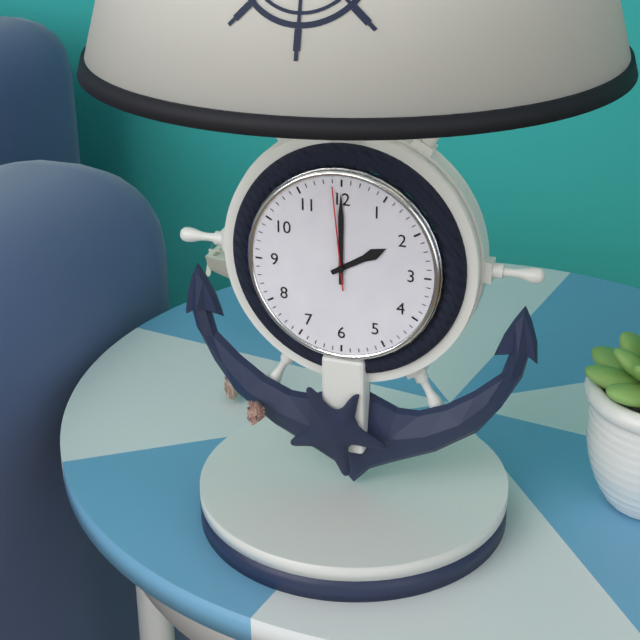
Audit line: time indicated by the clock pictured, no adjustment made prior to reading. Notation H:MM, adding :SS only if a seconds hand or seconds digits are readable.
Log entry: 2:00:59
